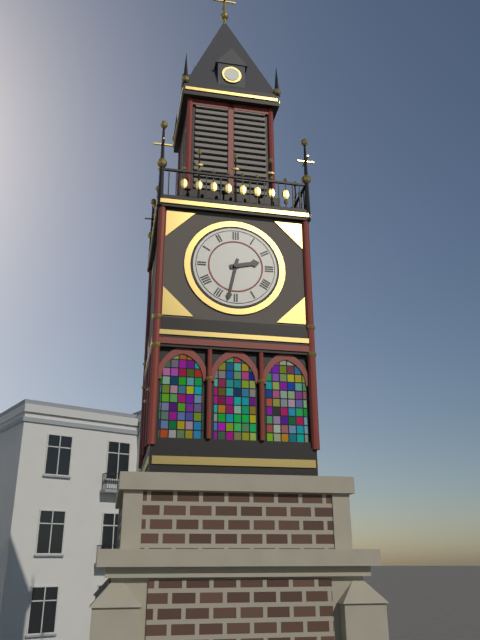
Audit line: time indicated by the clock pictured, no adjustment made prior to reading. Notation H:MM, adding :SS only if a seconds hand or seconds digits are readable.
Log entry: 2:32
